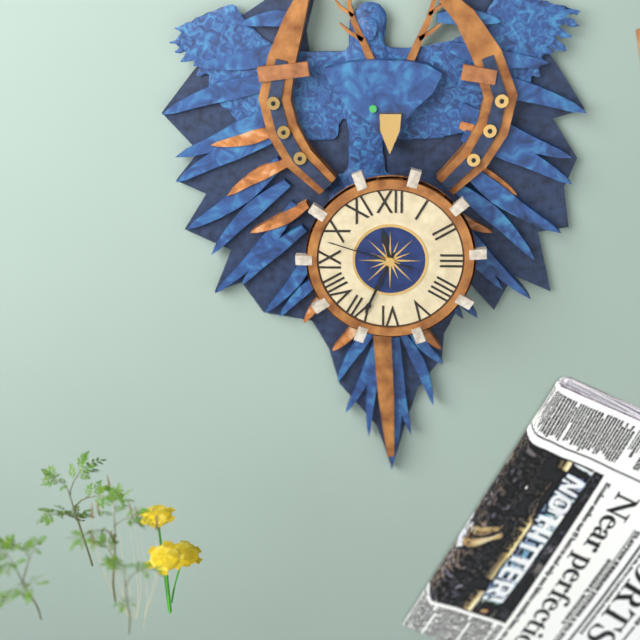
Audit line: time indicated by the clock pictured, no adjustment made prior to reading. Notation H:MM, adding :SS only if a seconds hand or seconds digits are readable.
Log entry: 11:34:48
